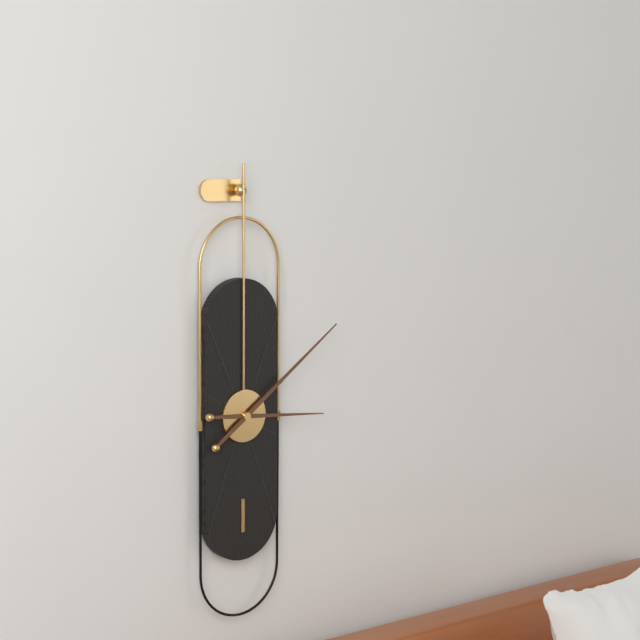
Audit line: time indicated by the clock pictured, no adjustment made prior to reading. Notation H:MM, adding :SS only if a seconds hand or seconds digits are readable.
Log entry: 3:09
